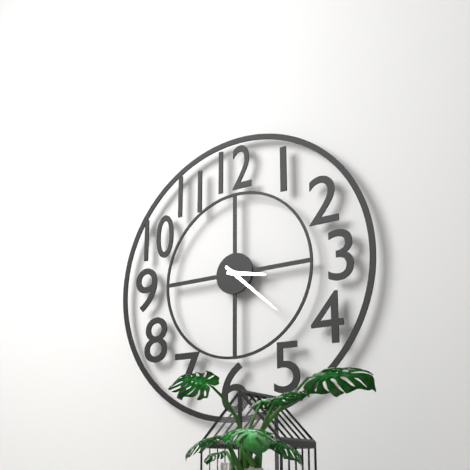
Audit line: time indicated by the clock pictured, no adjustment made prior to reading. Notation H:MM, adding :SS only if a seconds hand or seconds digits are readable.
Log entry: 3:22
